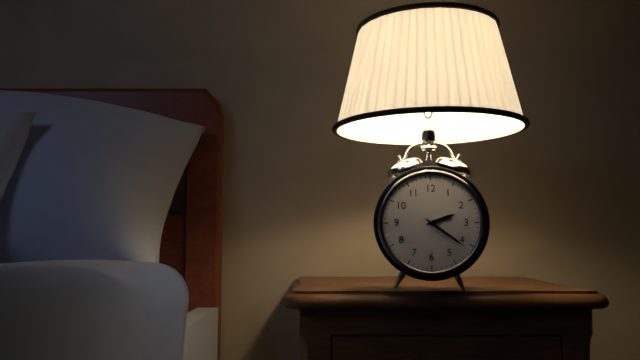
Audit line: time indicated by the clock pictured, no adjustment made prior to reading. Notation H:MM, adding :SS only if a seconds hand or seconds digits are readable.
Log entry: 2:21
